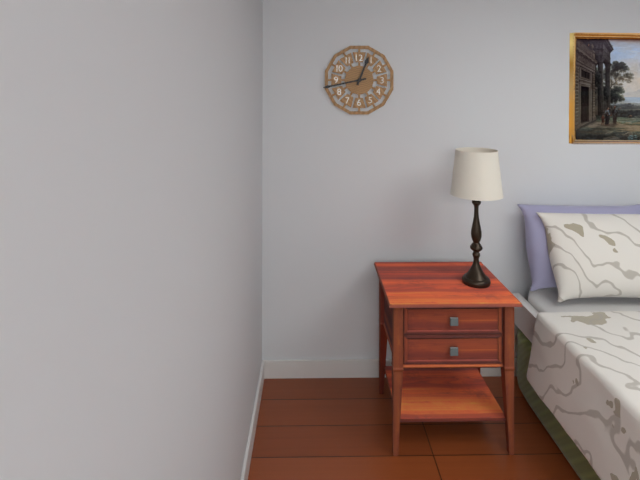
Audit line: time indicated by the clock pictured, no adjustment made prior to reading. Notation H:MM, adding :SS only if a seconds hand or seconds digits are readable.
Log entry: 12:43
